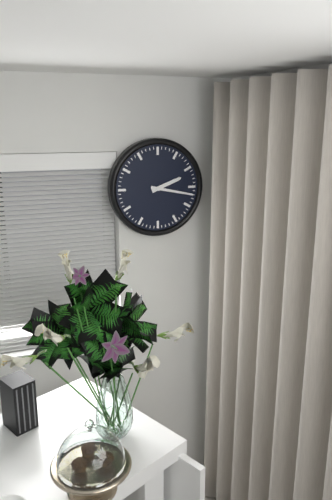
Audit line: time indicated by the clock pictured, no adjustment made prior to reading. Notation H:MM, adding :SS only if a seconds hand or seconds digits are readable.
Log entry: 2:17
